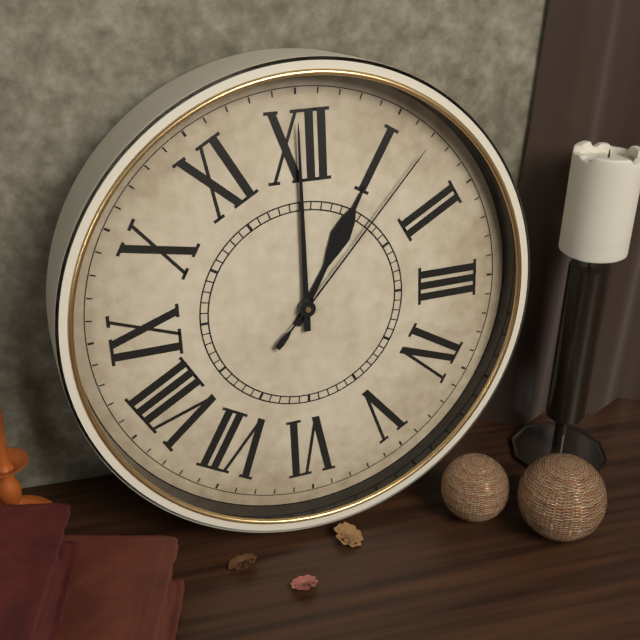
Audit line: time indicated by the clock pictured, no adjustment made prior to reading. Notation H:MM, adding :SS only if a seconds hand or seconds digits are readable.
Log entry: 1:00:07
